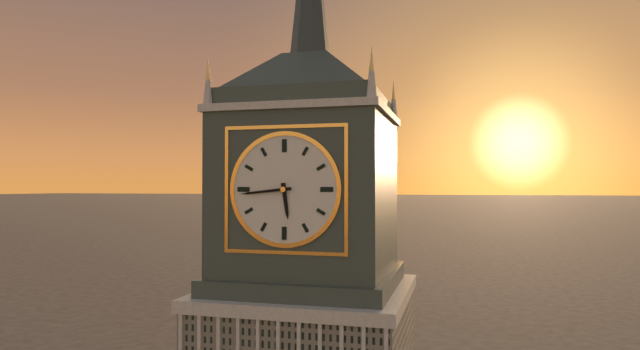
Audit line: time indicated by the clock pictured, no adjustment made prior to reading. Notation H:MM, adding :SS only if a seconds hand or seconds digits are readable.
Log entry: 5:44
